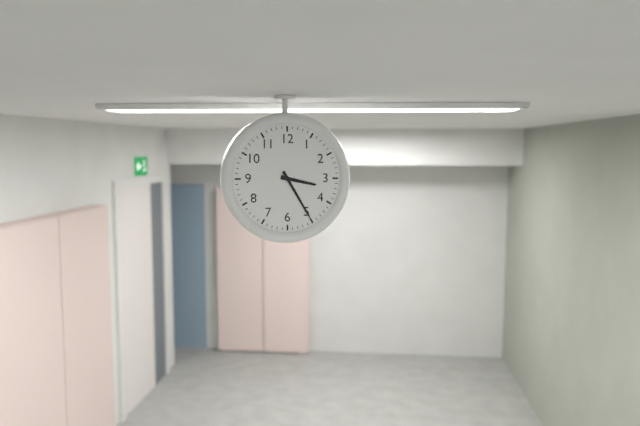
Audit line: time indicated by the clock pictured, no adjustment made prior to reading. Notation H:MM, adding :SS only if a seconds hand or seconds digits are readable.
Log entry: 3:25
